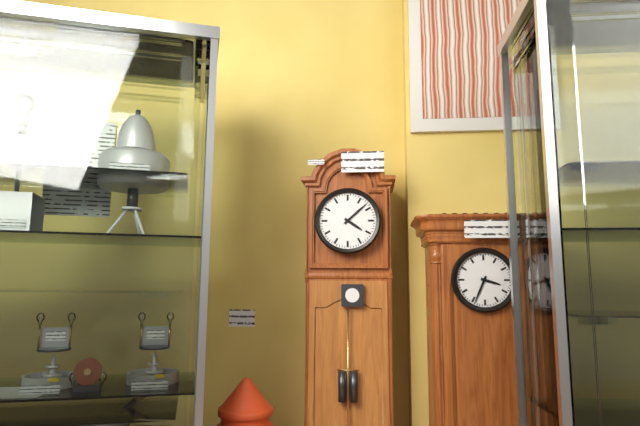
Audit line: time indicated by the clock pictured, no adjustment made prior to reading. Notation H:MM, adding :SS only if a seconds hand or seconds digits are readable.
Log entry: 4:08
